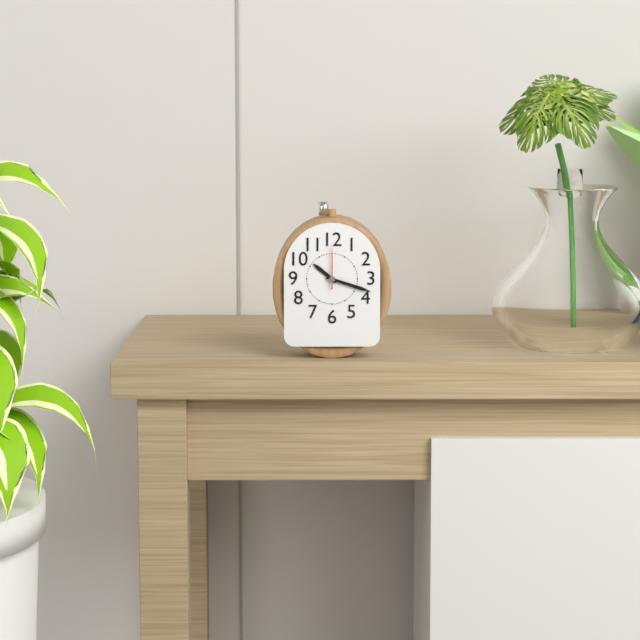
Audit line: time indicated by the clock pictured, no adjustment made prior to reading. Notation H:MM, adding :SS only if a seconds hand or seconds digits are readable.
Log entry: 10:18
